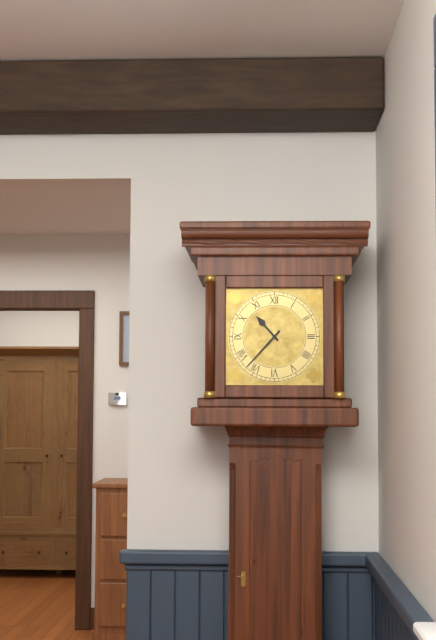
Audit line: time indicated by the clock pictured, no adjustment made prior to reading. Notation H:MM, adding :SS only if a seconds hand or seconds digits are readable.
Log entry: 10:37
